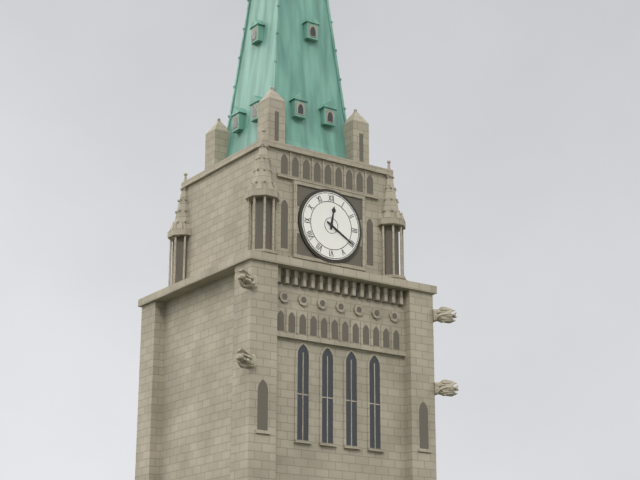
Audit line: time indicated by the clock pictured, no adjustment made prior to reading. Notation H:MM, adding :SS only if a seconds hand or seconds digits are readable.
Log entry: 12:20
